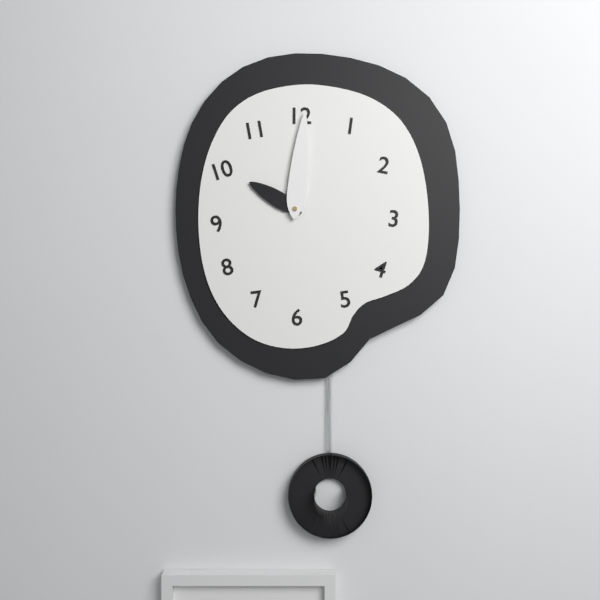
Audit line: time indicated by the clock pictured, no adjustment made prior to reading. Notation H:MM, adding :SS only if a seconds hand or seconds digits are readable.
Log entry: 10:01
